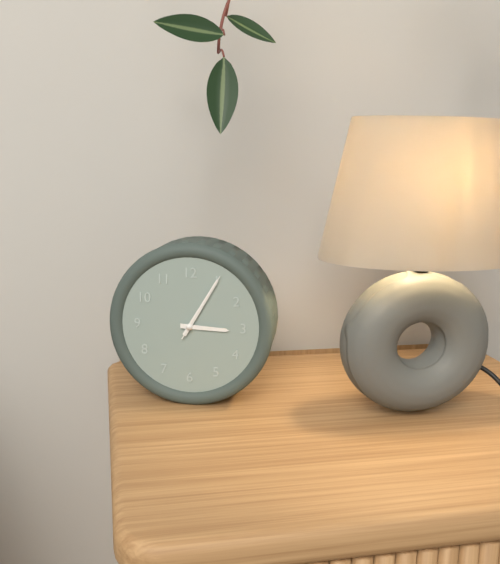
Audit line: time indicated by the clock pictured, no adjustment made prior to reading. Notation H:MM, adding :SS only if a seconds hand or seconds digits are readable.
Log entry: 3:05:05
